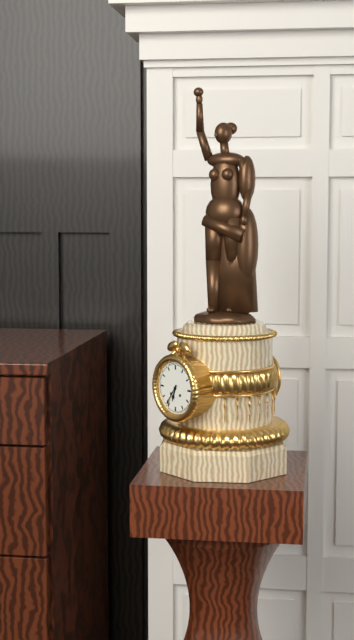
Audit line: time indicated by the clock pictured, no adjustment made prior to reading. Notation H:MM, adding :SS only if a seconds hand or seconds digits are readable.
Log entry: 6:36
